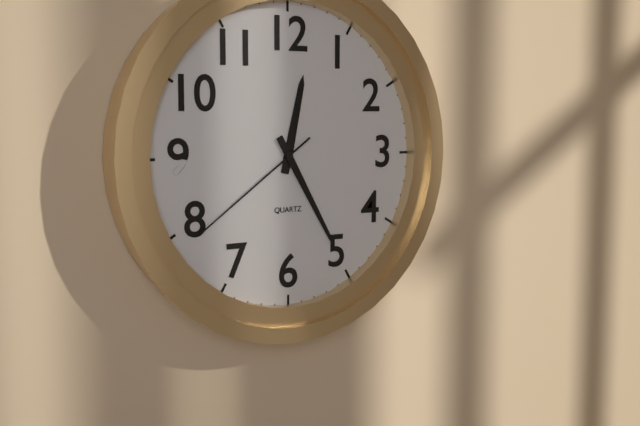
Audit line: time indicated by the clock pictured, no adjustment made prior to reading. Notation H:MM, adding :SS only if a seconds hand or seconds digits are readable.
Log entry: 12:25:39
